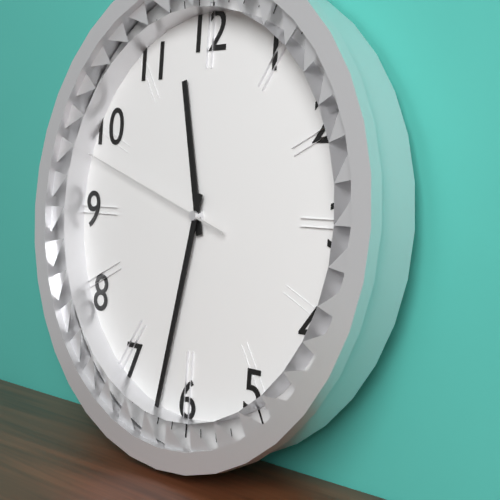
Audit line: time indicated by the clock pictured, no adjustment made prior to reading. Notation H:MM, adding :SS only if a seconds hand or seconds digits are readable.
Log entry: 11:32:48
